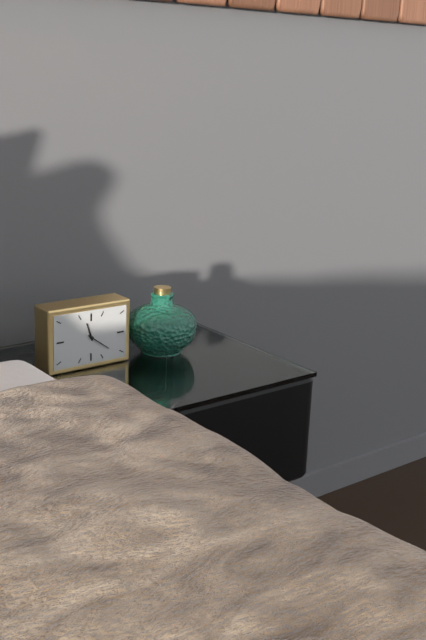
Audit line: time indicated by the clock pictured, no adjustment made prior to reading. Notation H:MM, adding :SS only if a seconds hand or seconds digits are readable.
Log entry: 11:21
